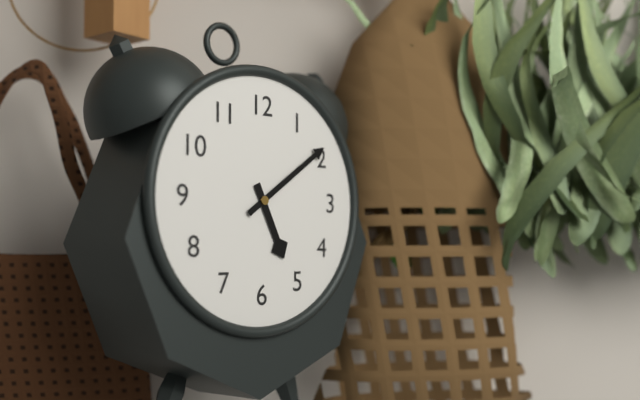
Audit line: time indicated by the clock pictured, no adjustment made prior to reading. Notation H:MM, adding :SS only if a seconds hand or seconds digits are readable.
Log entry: 5:09
